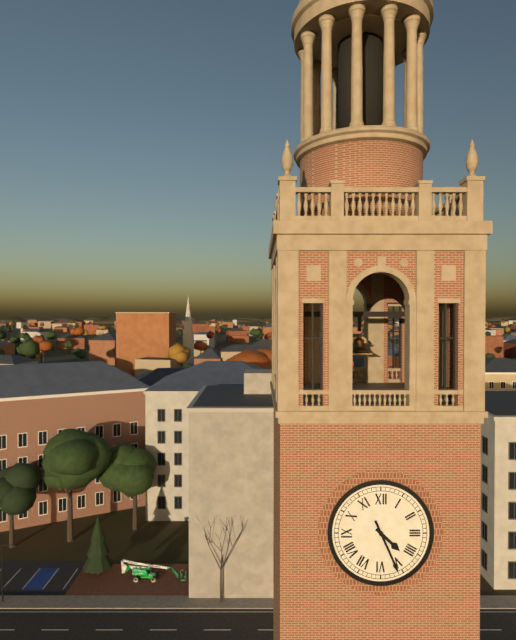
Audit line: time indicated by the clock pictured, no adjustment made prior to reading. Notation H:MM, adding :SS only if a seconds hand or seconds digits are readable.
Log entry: 4:26
